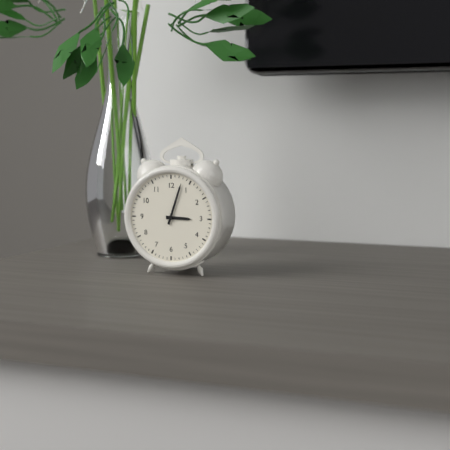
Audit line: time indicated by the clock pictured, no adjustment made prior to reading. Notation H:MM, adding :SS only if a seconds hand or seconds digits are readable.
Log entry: 3:03
